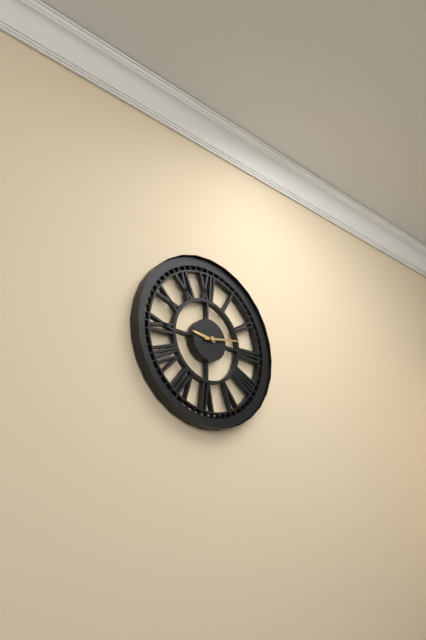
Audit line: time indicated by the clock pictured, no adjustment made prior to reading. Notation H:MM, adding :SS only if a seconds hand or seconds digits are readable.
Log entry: 9:13
